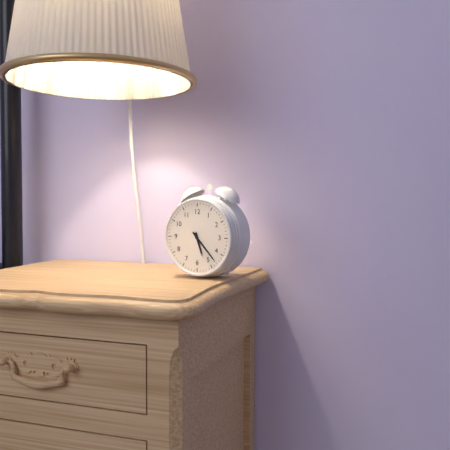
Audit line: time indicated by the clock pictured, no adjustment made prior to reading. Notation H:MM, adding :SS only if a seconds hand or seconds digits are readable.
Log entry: 5:23
